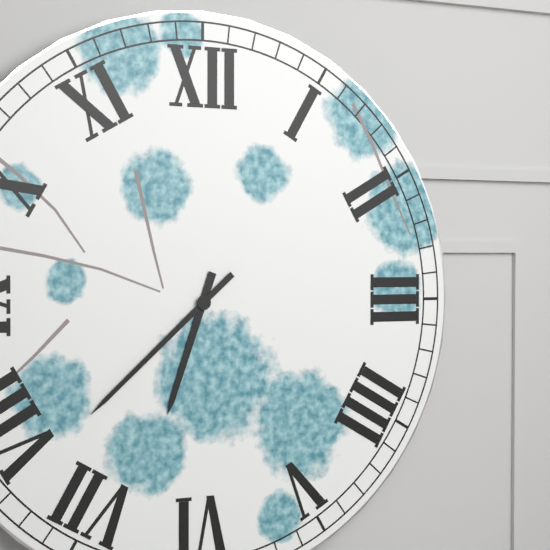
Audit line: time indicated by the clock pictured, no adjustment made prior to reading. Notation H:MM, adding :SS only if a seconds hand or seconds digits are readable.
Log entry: 6:38
